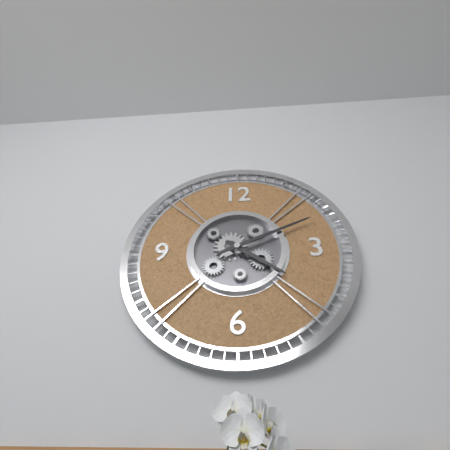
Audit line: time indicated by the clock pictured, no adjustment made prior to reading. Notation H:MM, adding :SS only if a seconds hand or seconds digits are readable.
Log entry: 4:11
